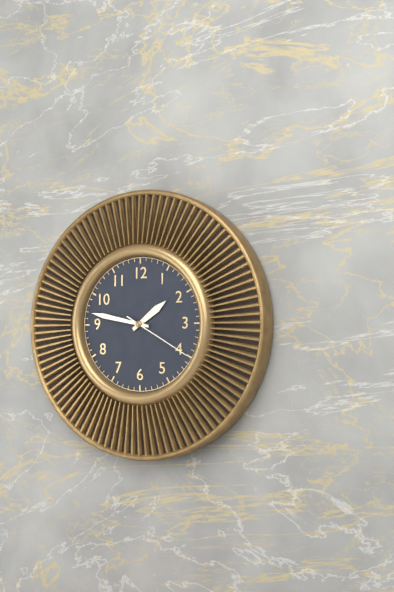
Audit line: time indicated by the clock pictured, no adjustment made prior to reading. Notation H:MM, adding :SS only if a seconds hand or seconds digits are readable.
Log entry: 1:47:20
